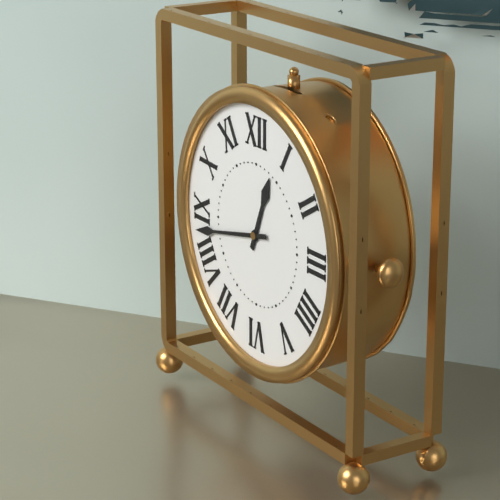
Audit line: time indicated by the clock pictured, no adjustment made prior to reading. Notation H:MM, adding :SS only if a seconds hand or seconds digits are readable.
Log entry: 12:43
